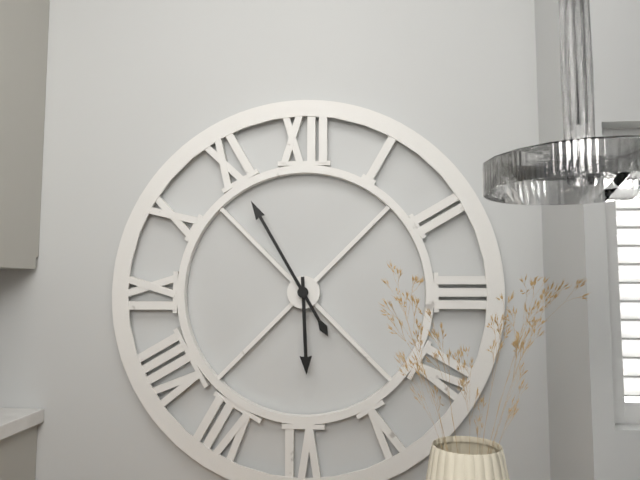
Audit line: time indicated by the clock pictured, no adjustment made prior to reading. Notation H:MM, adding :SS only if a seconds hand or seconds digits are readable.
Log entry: 5:55
